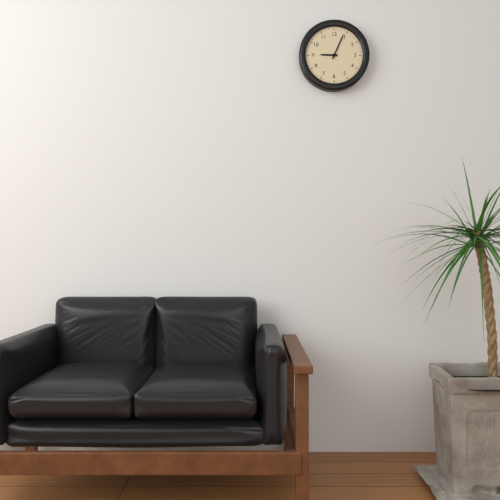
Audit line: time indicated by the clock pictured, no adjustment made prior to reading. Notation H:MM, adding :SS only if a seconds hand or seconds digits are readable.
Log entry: 9:04
